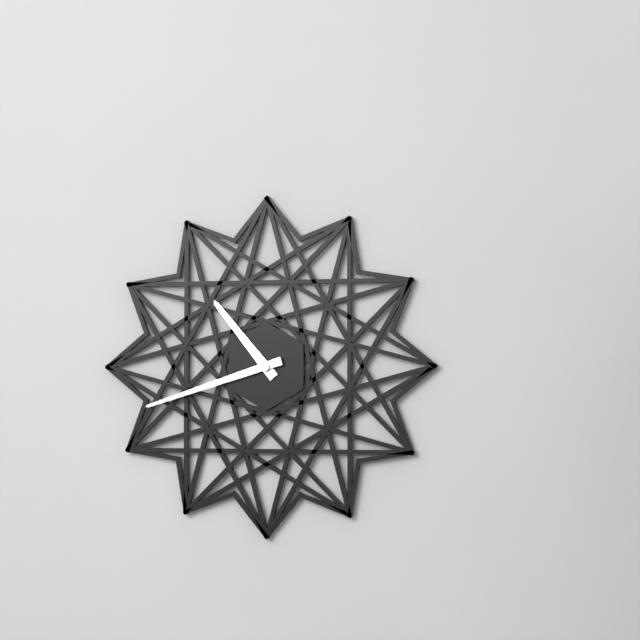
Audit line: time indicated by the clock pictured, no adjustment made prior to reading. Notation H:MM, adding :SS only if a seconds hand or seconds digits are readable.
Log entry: 10:42
